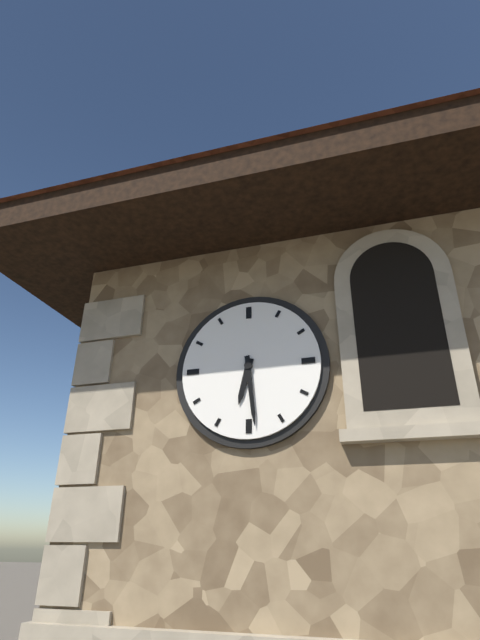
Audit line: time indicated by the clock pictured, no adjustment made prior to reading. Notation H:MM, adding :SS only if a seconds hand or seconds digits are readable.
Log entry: 6:29
